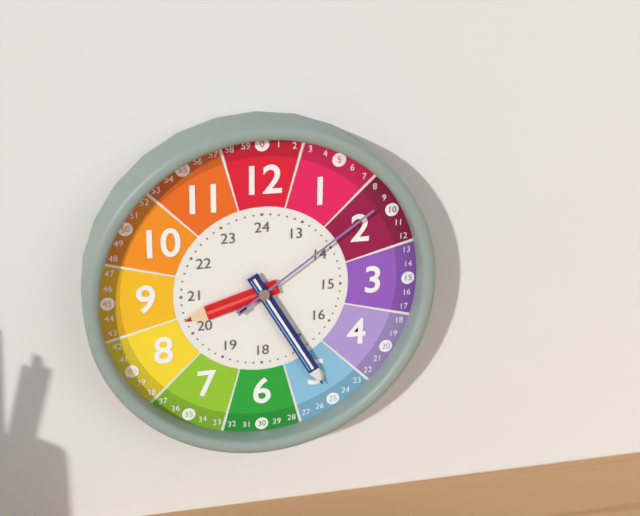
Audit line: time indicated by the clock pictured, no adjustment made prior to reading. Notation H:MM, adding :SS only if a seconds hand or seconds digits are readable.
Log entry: 8:25:09
